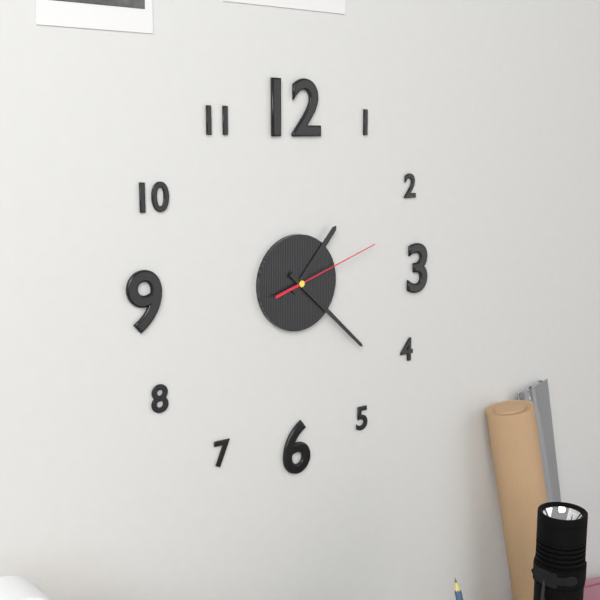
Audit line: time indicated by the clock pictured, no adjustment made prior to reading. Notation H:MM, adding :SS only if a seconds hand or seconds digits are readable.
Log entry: 1:22:12
